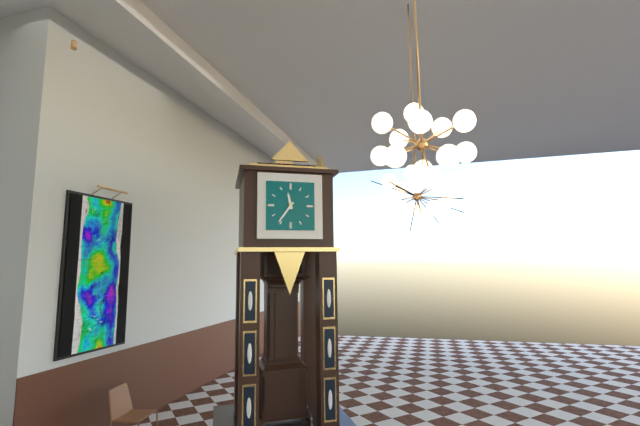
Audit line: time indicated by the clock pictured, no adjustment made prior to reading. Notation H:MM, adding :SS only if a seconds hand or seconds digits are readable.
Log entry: 11:36
